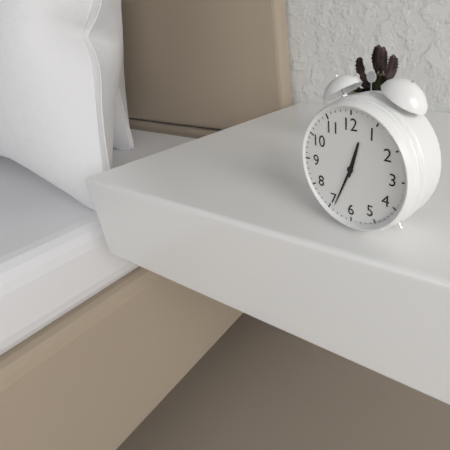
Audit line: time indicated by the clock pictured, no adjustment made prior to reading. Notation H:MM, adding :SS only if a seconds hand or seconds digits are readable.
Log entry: 12:34
